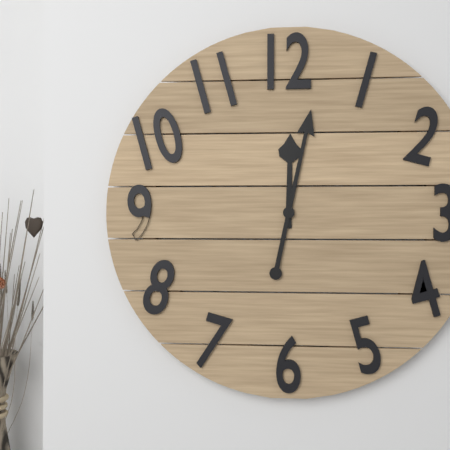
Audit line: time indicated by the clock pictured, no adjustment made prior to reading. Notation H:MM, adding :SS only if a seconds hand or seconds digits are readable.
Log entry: 12:02
